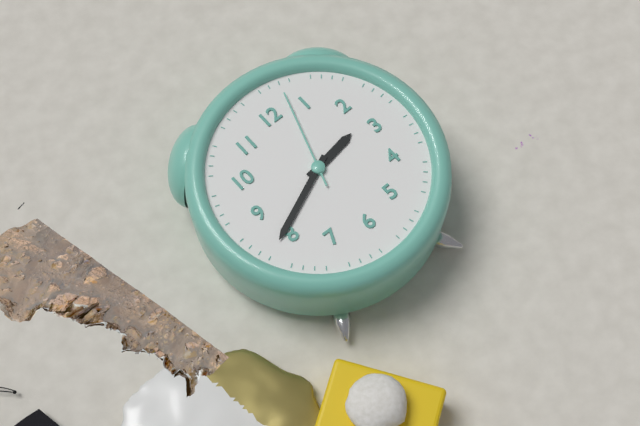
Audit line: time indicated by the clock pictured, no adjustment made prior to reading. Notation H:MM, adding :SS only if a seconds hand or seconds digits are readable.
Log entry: 2:41:03
